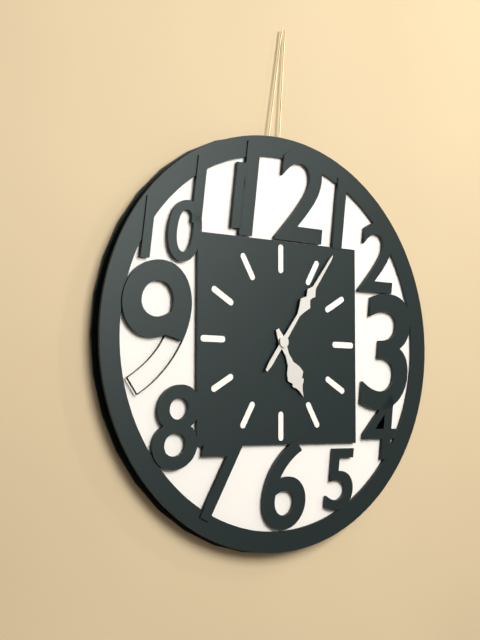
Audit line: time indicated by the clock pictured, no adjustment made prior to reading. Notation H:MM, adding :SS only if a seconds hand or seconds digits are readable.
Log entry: 5:06
